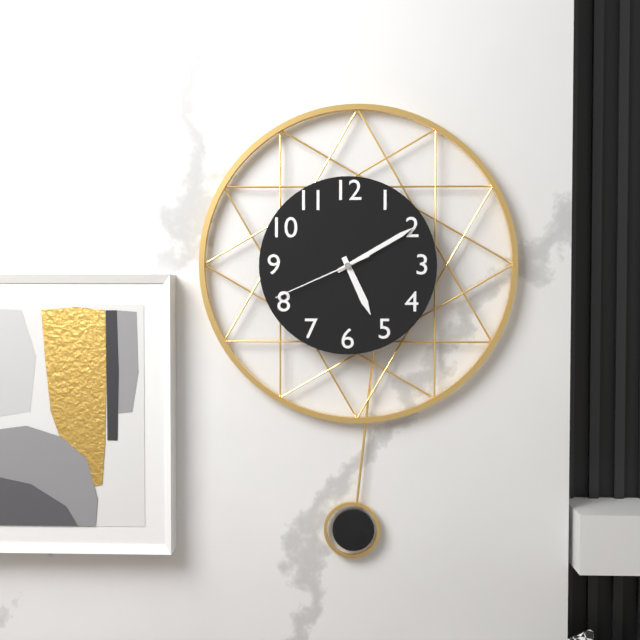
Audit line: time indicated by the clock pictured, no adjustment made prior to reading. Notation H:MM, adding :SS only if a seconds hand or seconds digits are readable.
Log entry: 5:10:41
